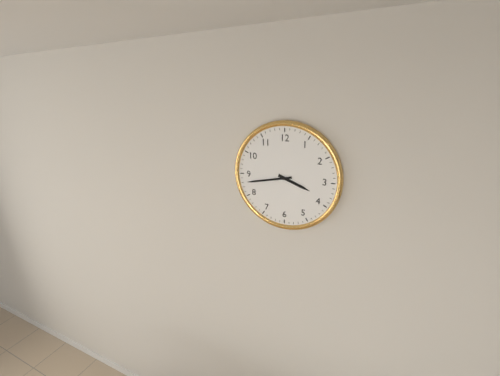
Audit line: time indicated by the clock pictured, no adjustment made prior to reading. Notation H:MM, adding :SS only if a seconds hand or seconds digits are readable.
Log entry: 3:43
